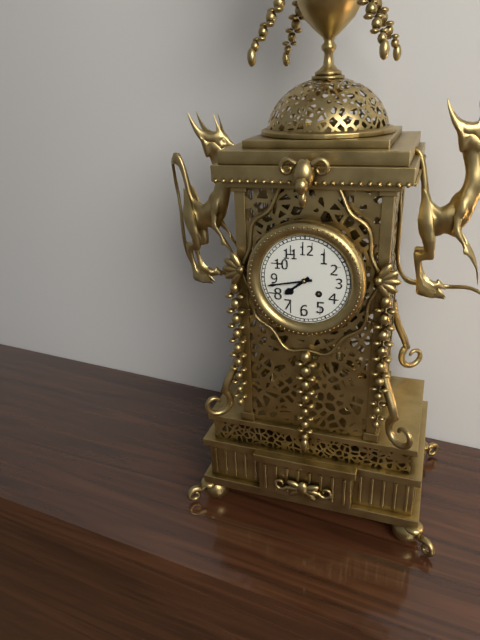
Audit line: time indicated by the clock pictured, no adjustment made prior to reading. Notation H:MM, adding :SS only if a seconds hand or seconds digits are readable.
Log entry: 7:43
